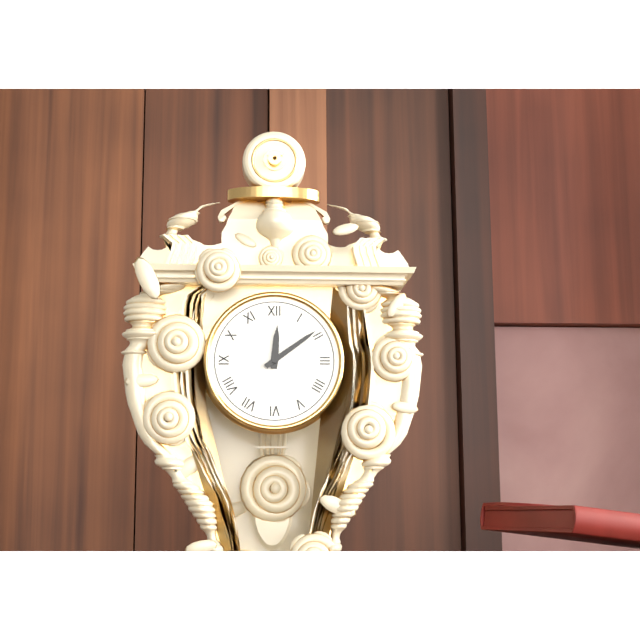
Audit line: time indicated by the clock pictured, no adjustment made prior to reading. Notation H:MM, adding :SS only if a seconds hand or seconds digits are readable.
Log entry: 12:09
